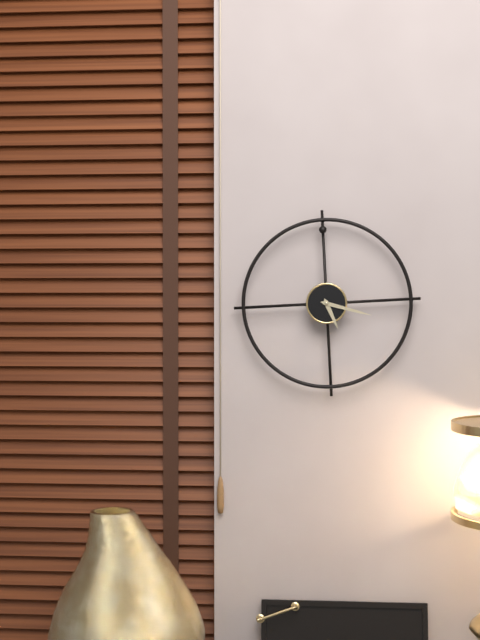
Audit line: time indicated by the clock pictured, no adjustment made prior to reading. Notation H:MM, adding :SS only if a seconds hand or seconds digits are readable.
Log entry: 5:18
